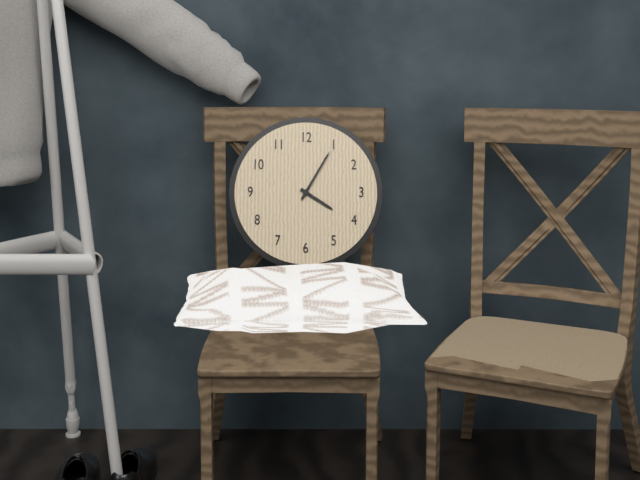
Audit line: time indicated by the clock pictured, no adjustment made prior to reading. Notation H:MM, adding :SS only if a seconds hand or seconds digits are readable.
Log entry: 4:05
